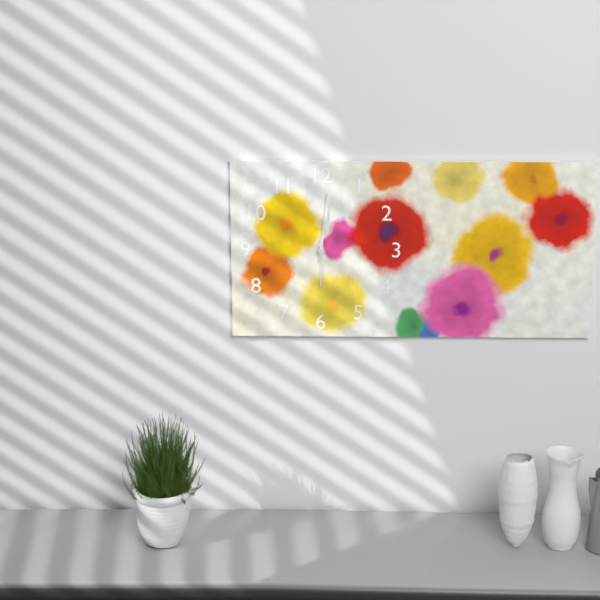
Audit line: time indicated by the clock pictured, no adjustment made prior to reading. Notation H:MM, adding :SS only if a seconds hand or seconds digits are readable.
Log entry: 6:01
